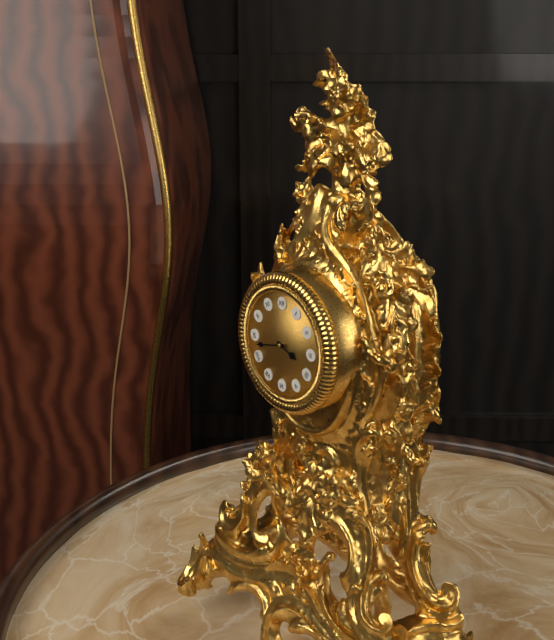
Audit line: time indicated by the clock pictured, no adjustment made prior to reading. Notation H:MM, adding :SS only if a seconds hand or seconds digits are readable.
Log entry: 3:43
